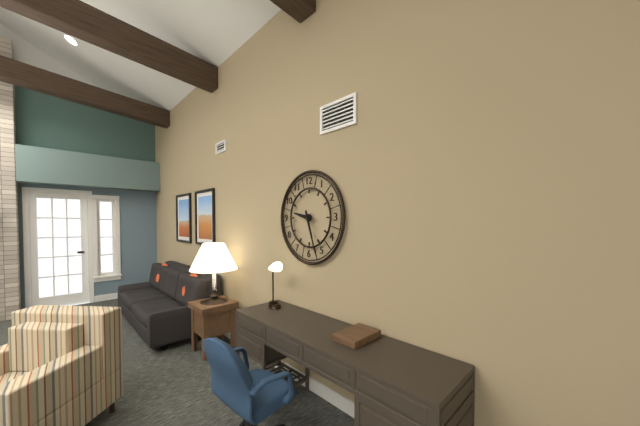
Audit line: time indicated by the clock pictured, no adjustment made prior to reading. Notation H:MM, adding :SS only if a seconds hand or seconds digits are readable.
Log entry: 9:27
